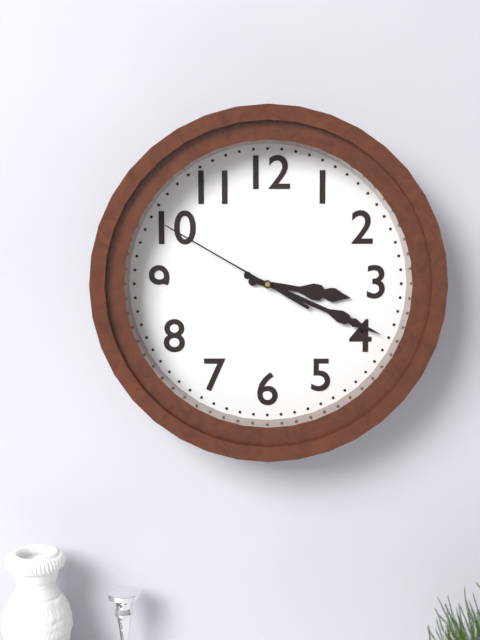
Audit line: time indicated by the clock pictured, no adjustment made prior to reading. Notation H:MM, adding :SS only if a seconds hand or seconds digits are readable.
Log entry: 3:19:50
